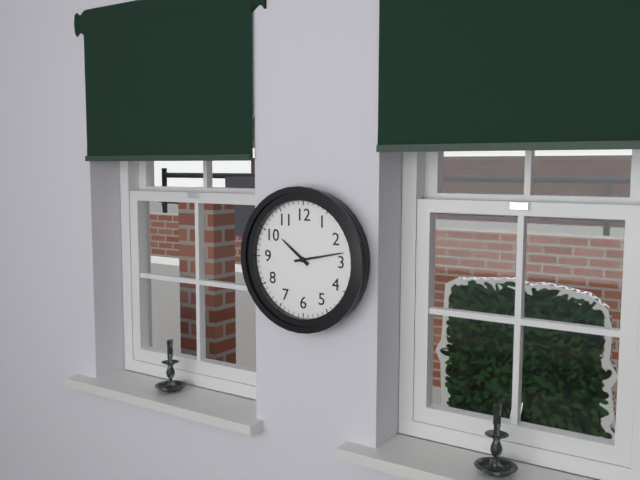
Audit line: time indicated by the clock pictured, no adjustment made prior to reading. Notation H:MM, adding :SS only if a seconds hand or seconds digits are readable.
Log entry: 10:13
